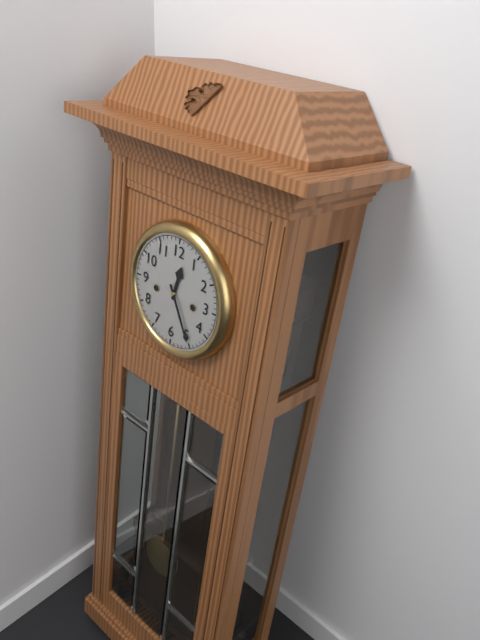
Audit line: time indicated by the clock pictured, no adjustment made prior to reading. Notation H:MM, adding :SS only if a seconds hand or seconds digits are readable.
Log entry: 12:25
